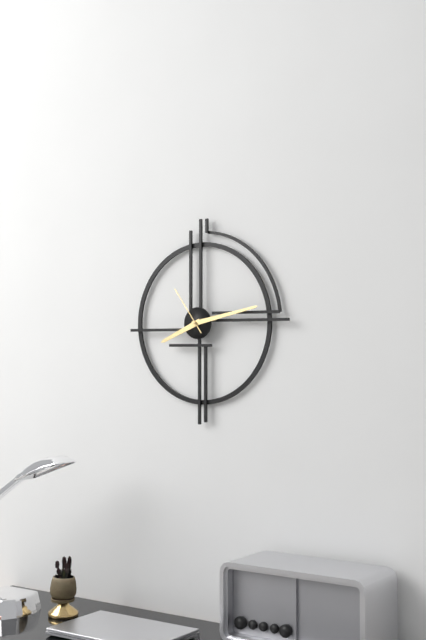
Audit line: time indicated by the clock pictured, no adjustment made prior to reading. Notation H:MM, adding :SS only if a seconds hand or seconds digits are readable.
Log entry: 8:13:54
